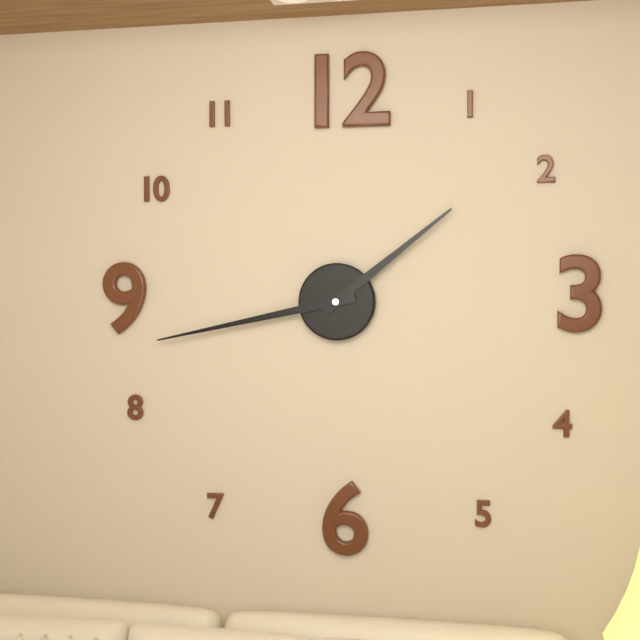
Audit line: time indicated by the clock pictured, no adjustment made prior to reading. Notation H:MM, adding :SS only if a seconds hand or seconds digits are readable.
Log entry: 1:43
